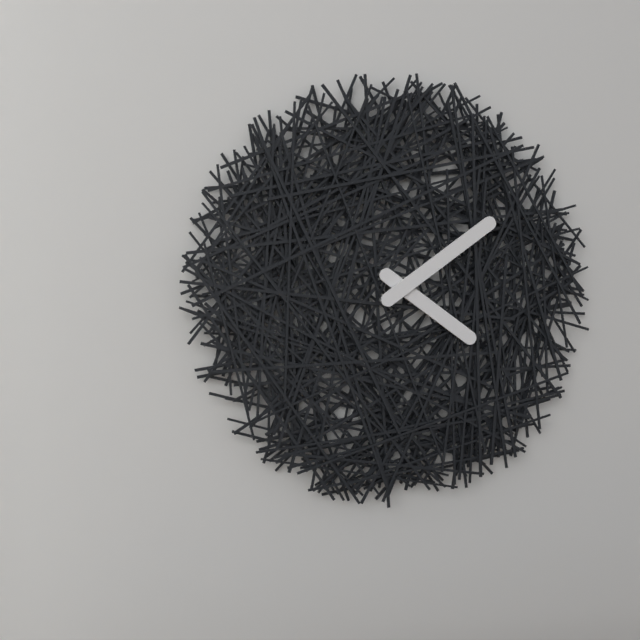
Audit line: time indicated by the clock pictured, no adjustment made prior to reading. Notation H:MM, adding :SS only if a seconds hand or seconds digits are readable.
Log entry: 4:09
